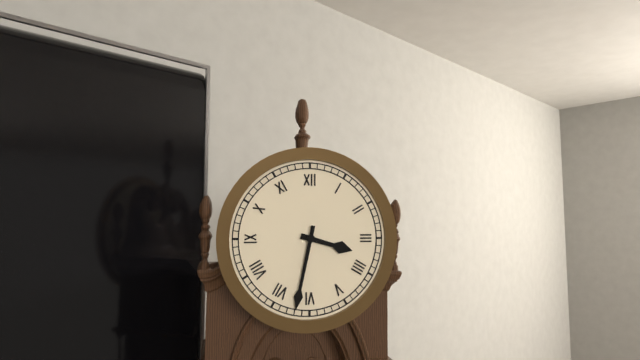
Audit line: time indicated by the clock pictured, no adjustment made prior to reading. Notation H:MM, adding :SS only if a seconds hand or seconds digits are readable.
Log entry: 3:32
